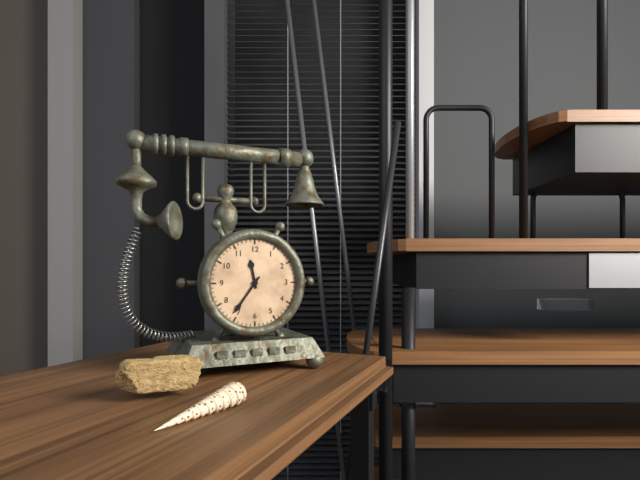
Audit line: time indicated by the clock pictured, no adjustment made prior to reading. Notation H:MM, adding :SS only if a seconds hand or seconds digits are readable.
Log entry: 11:36
